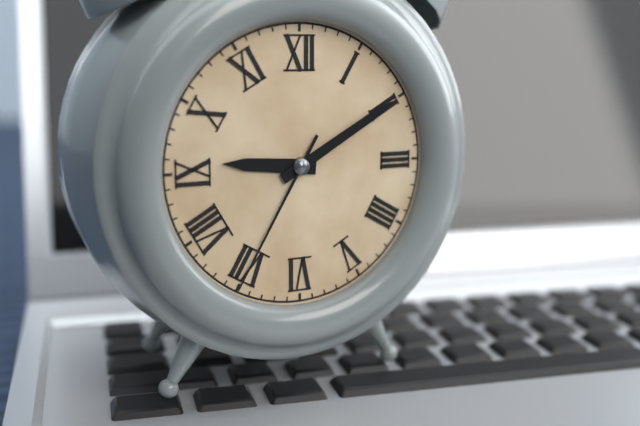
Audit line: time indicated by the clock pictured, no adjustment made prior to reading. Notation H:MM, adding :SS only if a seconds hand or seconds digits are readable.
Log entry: 9:10:35
